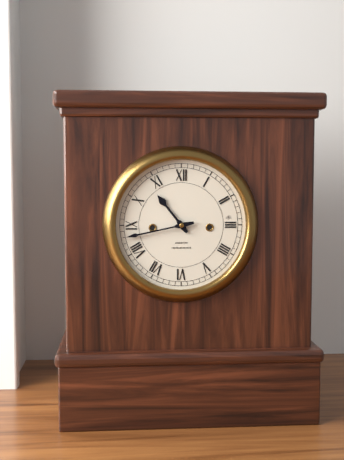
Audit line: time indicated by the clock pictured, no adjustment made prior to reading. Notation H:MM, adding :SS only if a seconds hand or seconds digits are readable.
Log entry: 10:43
